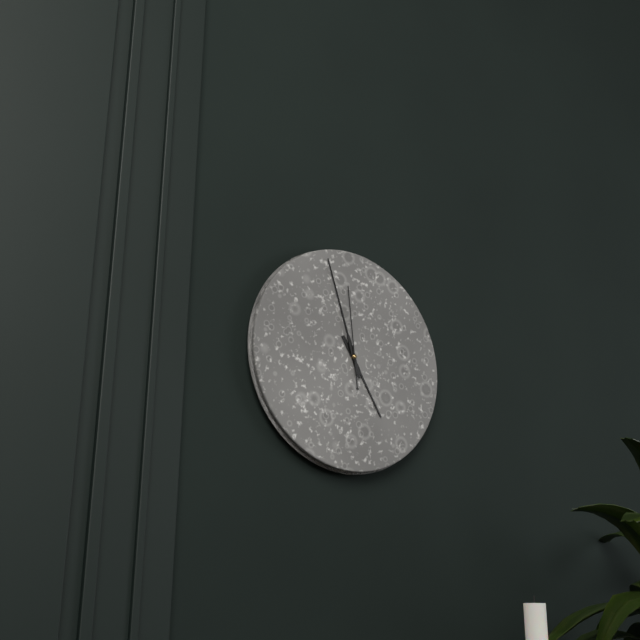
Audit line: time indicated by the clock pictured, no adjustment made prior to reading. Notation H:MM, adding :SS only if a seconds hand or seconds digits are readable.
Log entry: 4:57:59
